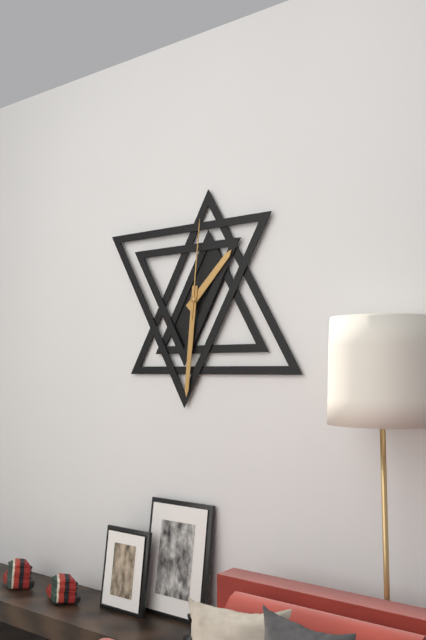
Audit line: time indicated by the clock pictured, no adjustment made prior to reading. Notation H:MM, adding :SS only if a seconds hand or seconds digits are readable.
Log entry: 1:31:01
